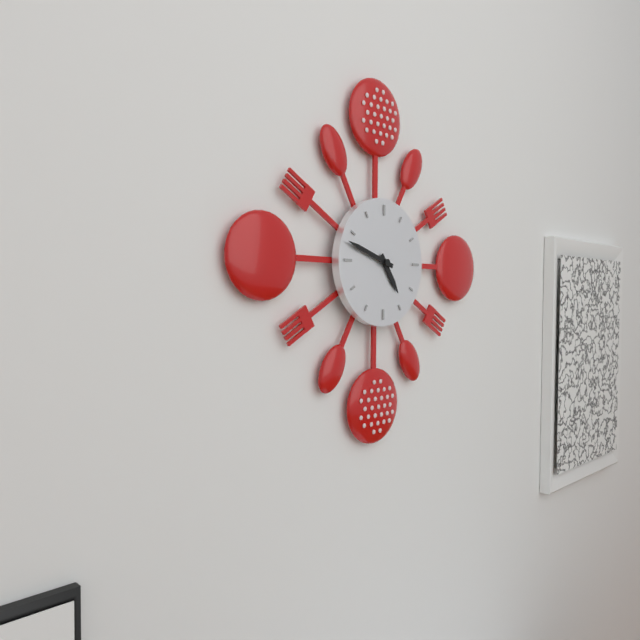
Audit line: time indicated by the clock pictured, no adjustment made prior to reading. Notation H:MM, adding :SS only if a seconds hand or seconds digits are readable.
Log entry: 4:48
